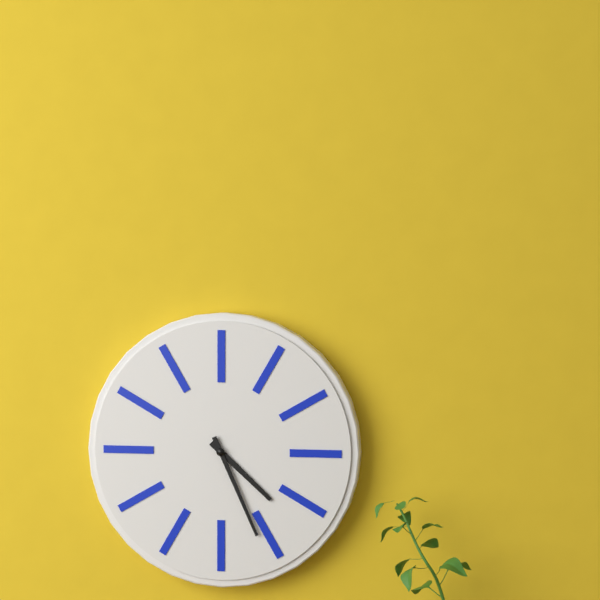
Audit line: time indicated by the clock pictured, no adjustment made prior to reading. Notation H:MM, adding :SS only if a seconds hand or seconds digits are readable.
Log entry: 4:26
